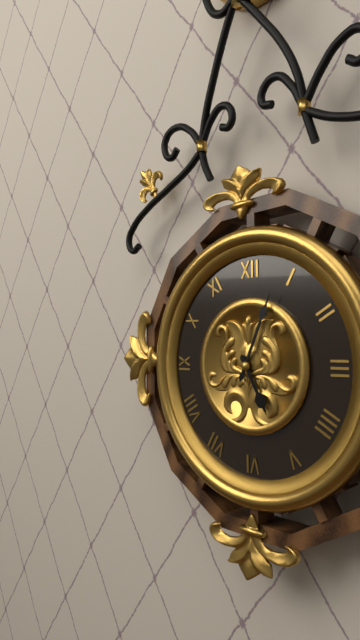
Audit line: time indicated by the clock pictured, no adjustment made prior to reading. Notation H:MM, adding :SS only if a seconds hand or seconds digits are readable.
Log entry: 5:04
